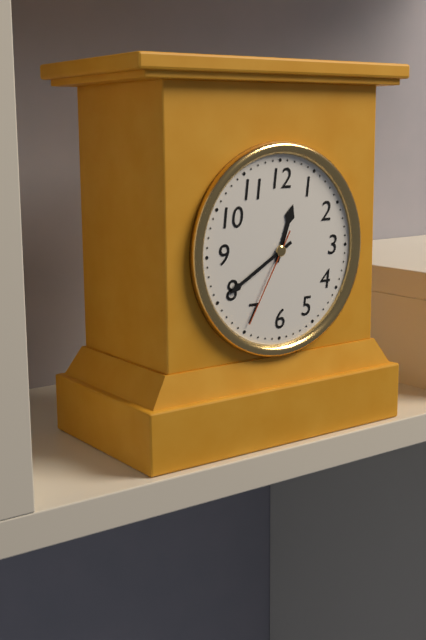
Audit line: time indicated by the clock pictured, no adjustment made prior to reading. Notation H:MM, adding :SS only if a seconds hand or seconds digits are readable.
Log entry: 12:40:35
